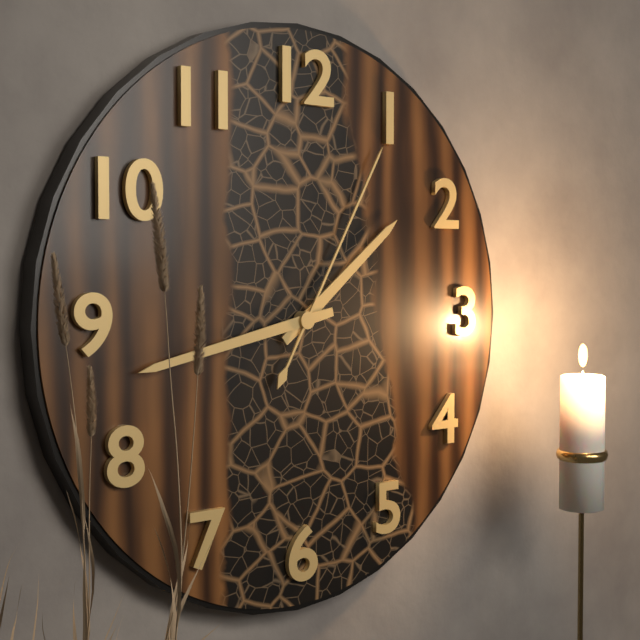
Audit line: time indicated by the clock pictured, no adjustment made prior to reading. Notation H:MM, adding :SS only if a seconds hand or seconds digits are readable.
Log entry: 1:43:05
